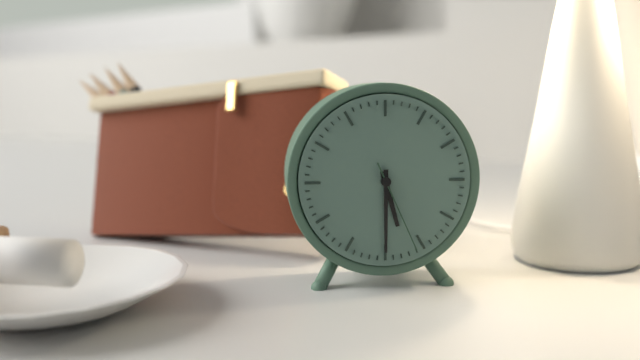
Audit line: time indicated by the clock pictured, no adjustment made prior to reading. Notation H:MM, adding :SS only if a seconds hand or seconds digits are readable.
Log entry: 5:30:26
